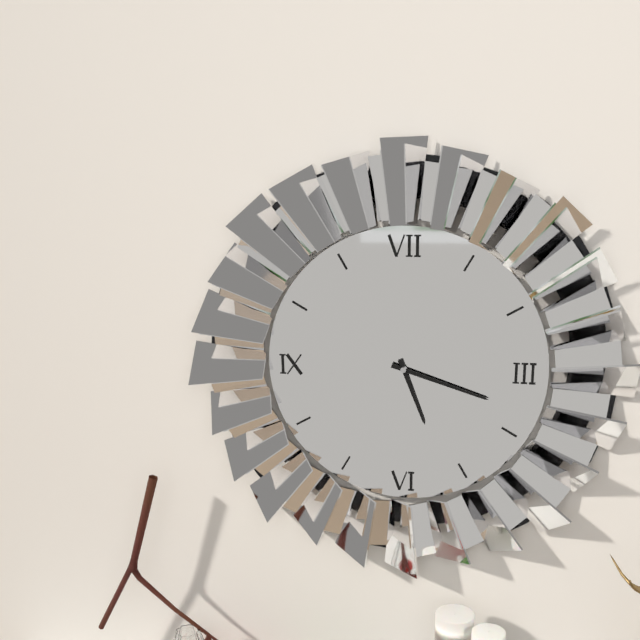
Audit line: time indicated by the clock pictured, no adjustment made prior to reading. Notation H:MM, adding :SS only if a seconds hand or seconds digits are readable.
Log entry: 5:18
